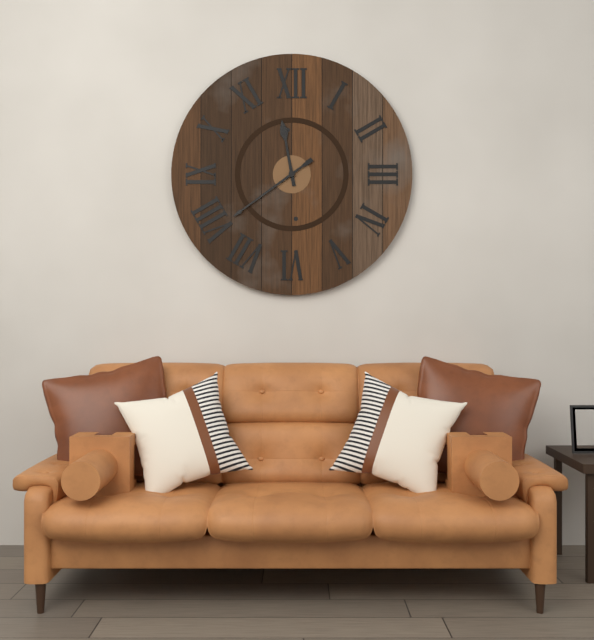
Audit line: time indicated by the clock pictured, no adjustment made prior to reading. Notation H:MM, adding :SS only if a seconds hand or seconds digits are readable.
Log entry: 11:39
